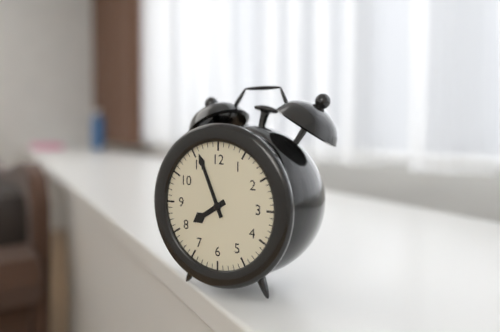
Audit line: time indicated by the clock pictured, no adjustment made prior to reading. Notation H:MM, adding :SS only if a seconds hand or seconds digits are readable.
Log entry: 7:56
